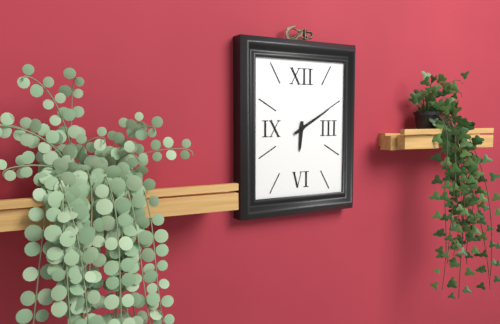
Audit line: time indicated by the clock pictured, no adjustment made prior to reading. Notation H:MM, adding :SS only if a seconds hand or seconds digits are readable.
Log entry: 6:10
